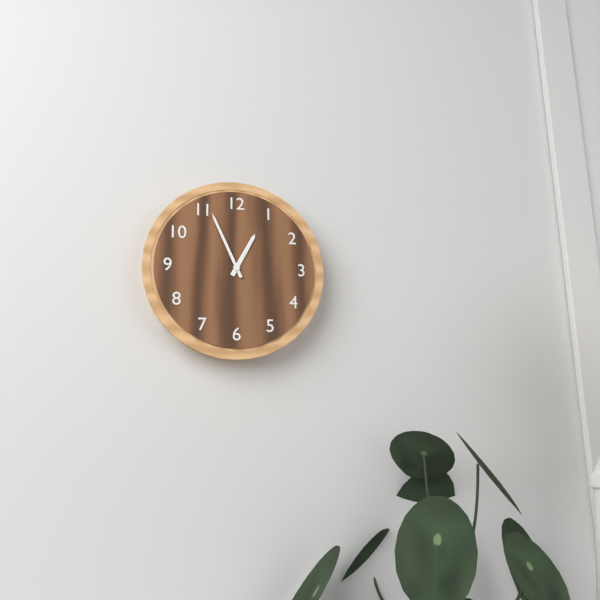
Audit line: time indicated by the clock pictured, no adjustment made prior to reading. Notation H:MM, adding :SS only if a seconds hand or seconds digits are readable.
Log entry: 12:56
